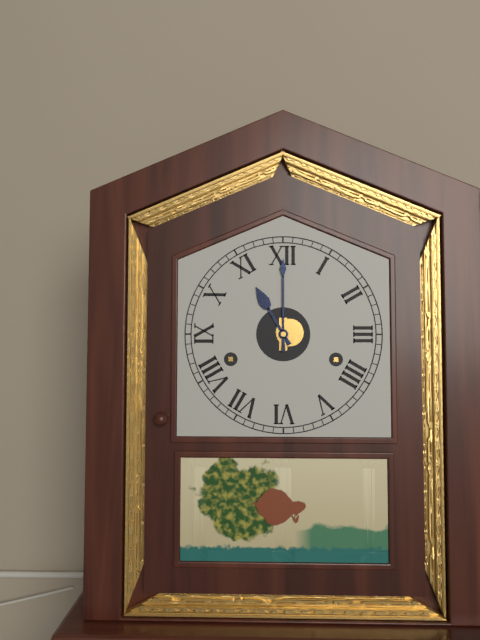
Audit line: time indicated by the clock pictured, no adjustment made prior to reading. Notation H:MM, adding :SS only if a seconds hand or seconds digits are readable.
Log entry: 11:00
